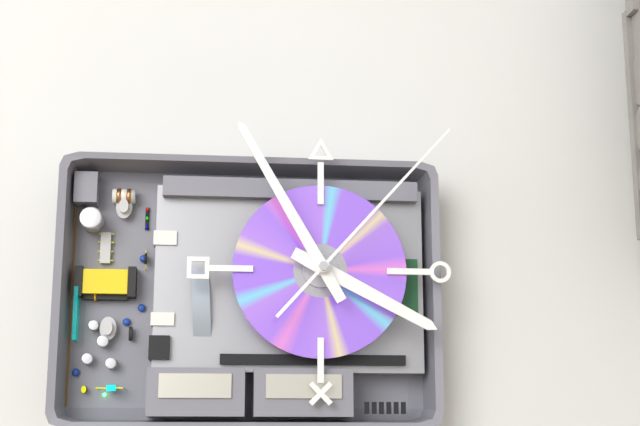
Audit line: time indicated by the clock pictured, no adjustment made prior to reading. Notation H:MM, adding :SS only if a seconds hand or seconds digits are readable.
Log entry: 3:55:07
